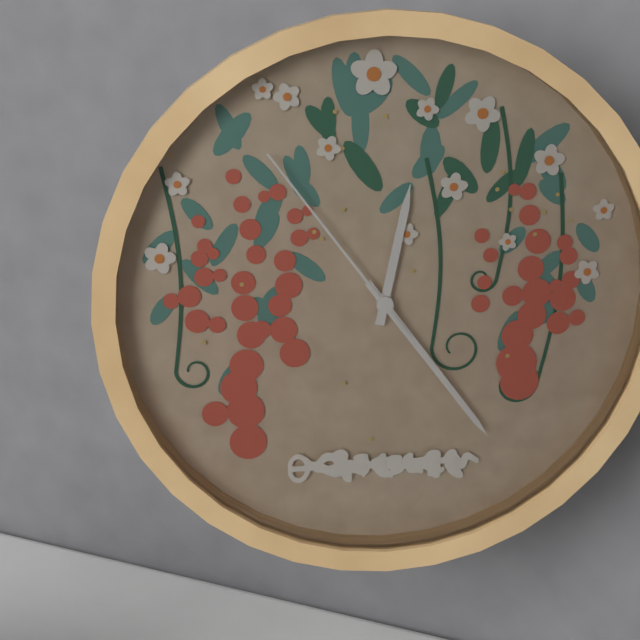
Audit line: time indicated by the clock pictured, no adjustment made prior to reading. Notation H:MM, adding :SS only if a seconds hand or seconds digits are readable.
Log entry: 12:24:54
